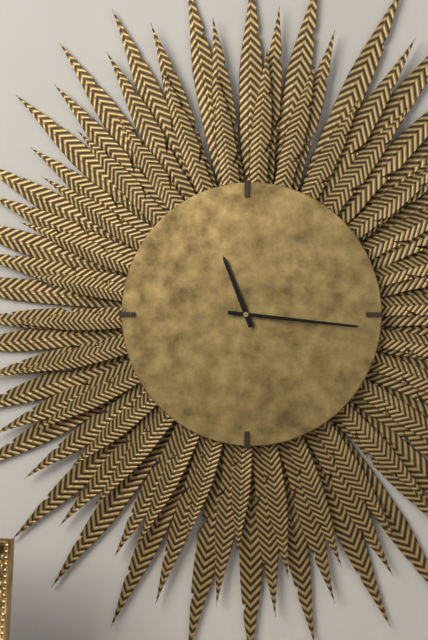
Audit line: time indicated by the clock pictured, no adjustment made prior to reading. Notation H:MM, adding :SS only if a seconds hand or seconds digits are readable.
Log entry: 11:16
